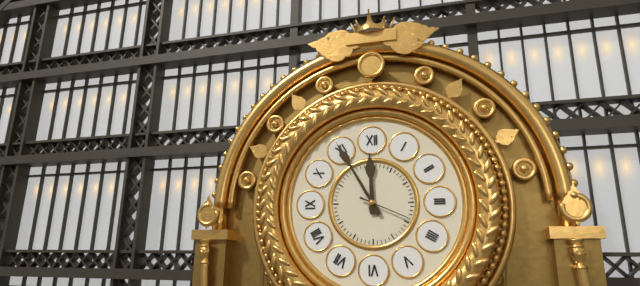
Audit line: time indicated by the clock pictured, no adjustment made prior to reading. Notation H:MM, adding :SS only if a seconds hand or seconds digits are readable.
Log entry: 11:55:19
